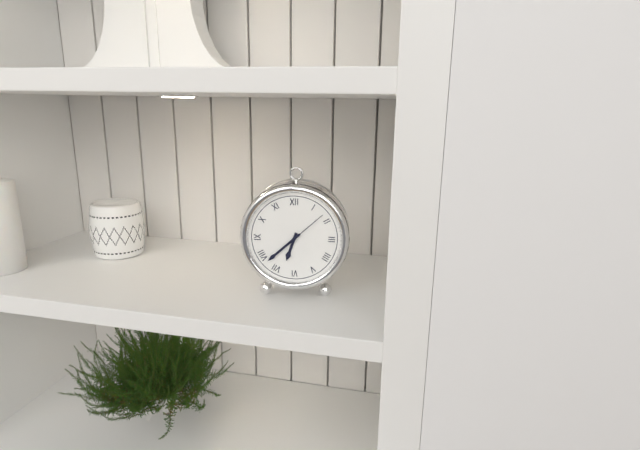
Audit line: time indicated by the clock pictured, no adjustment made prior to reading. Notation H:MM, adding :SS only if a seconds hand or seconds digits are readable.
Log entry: 6:38
